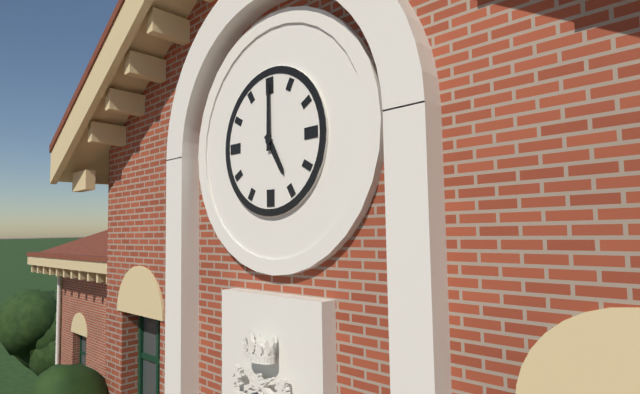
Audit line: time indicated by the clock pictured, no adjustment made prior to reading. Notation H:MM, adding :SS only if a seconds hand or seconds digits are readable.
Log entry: 5:00
